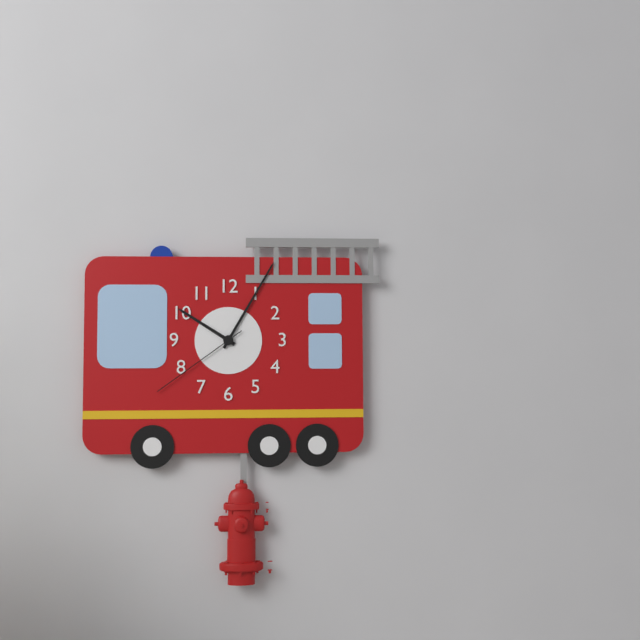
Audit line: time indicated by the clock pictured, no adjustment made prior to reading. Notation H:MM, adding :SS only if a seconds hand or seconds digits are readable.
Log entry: 10:05:39
